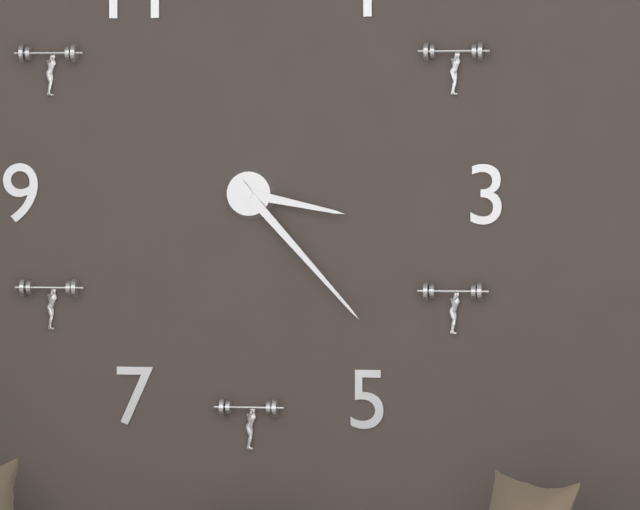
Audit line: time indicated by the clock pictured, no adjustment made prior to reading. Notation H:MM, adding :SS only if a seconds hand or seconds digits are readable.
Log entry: 3:23
